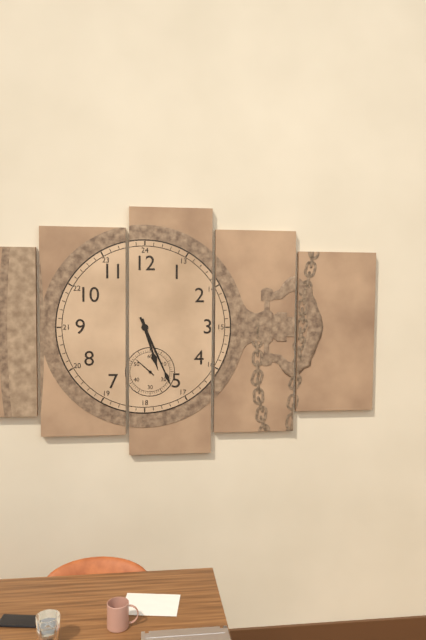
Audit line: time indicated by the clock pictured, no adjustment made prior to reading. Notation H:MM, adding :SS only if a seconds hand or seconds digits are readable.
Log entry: 5:26
